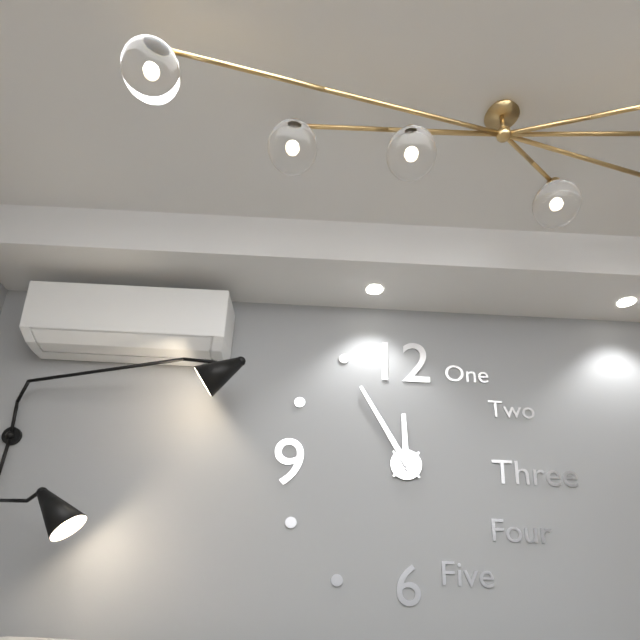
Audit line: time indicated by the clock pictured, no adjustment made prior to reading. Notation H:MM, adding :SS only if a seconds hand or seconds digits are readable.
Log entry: 11:55
